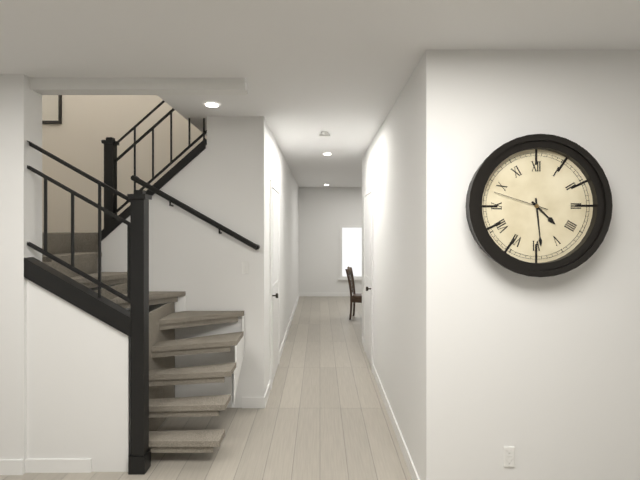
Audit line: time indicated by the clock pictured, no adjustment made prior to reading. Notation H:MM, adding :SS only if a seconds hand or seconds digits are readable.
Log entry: 4:29:48
